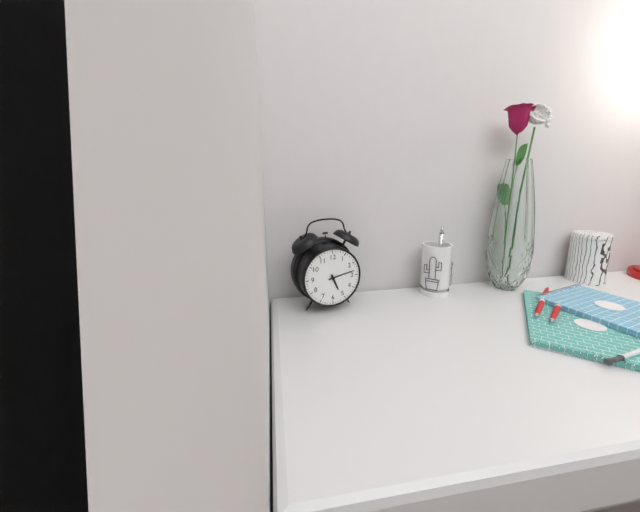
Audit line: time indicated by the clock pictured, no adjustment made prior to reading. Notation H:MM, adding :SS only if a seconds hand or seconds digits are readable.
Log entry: 5:13
